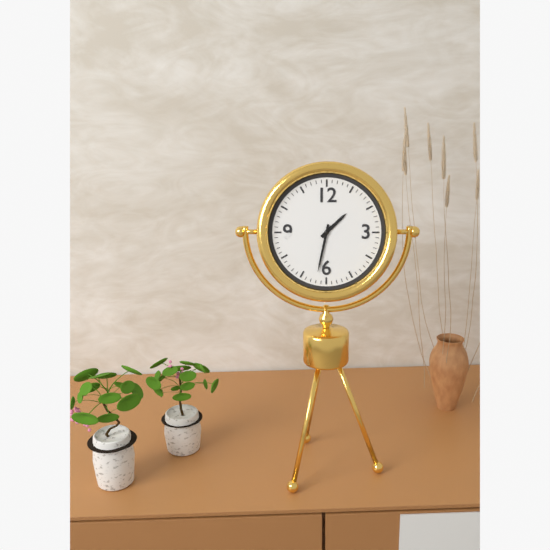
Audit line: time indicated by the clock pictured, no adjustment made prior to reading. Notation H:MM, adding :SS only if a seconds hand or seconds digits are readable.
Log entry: 1:32
